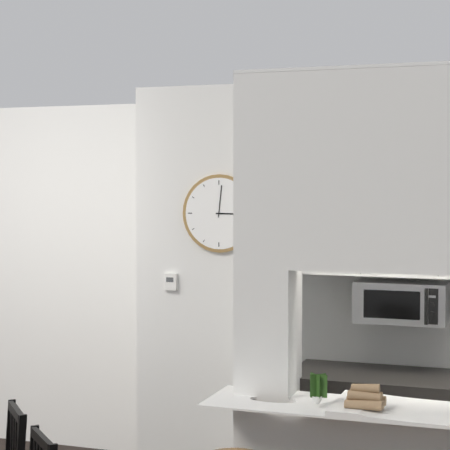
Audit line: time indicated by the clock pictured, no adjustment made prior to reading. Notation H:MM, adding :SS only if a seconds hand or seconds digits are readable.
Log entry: 3:01
